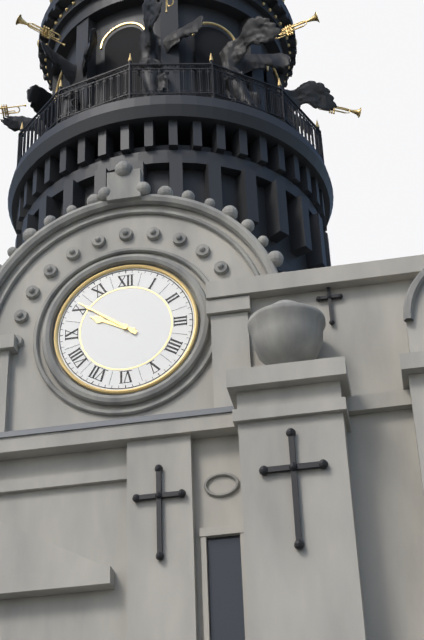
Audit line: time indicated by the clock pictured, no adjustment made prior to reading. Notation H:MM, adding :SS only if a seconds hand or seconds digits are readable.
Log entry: 9:51
